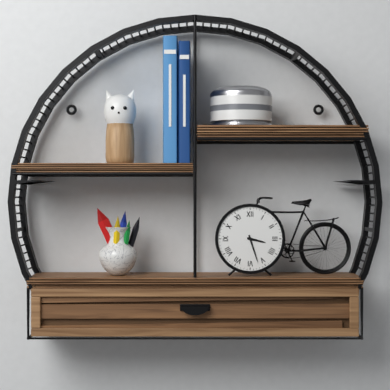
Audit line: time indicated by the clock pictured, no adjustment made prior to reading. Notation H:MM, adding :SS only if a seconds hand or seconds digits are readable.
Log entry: 3:27
